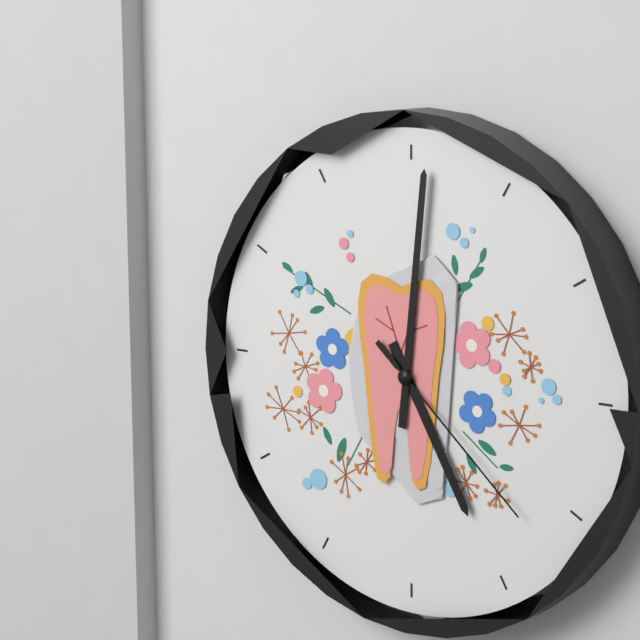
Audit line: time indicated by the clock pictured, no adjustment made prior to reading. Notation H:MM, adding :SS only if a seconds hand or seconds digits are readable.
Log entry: 5:01:22
